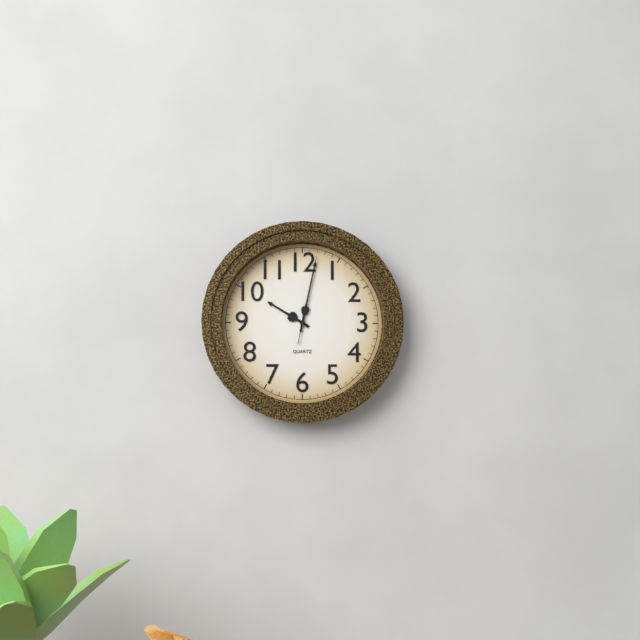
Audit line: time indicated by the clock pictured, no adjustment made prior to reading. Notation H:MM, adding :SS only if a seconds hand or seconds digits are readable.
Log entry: 10:02:02
